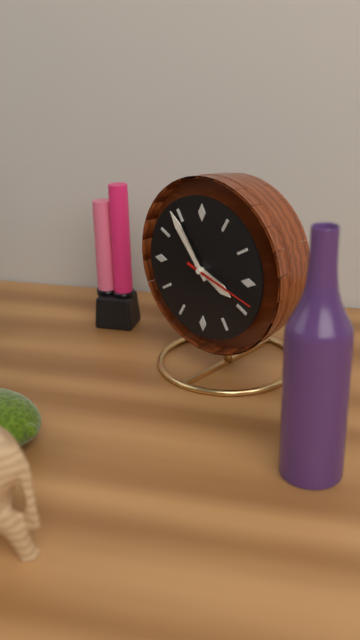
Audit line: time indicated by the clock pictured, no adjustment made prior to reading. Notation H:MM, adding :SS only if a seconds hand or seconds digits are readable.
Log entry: 3:54:18
